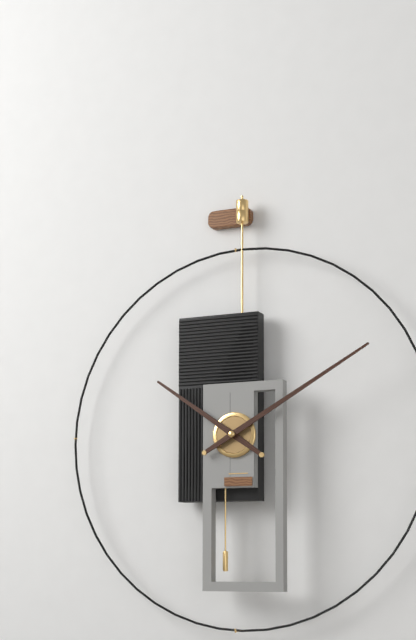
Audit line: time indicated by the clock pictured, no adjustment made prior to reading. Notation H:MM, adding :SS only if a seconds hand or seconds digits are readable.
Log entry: 10:10
